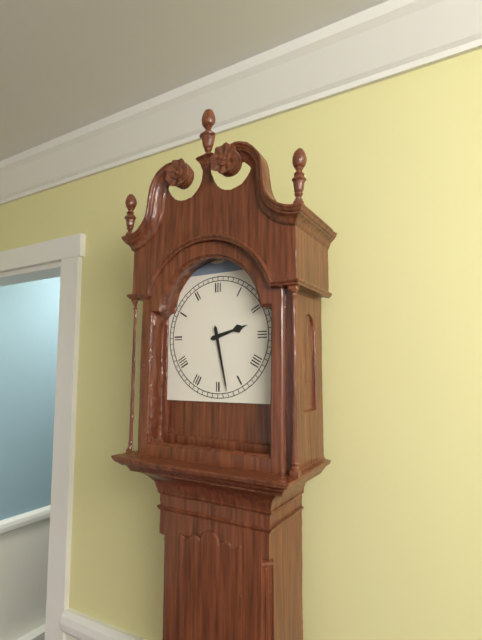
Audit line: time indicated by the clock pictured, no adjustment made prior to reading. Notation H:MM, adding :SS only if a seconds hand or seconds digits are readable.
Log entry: 2:28
